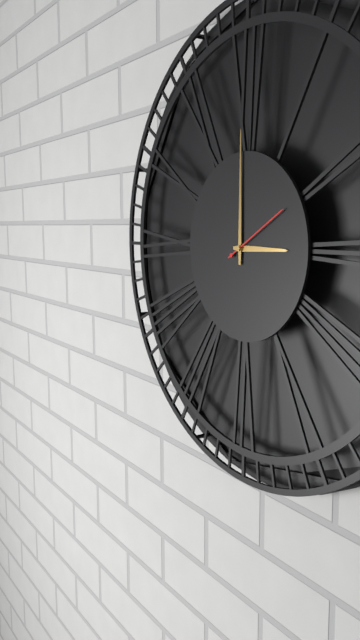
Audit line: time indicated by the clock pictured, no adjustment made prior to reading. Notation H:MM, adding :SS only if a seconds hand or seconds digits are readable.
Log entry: 3:00:10
